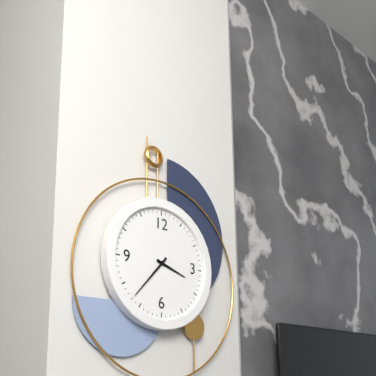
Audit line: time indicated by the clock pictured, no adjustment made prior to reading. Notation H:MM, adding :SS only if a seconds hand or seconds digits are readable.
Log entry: 3:37
